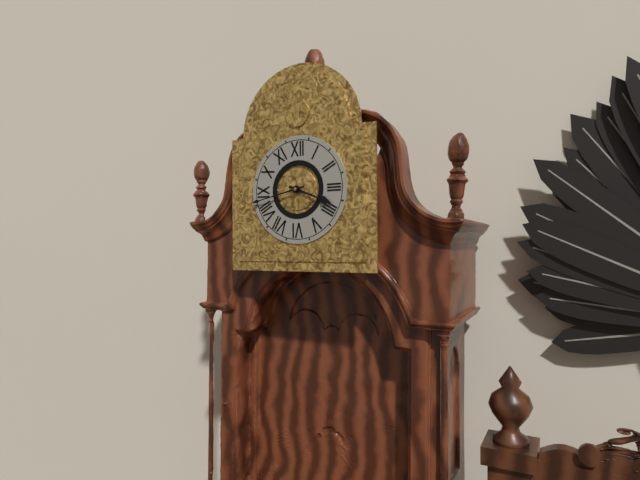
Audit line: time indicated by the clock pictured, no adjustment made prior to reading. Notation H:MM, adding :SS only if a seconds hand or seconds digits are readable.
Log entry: 3:43
